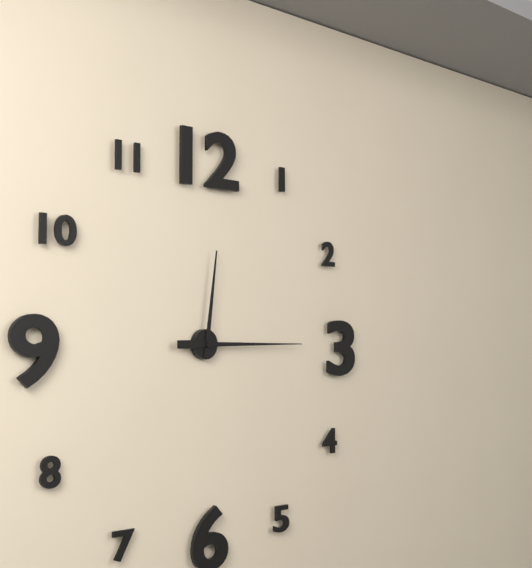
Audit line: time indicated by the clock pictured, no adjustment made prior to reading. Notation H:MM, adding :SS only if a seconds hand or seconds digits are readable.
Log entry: 12:15
